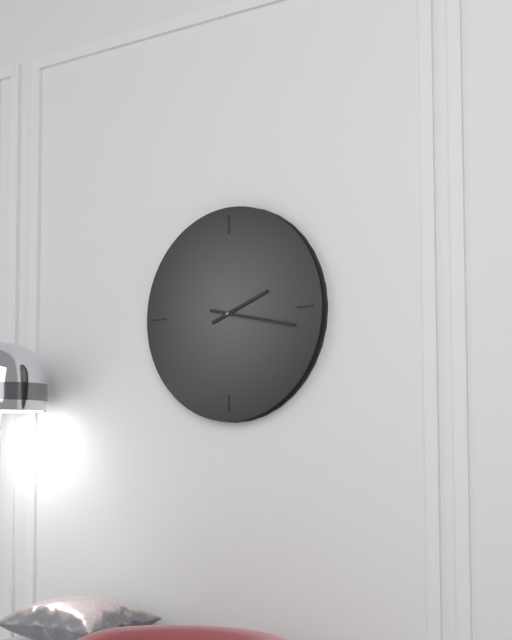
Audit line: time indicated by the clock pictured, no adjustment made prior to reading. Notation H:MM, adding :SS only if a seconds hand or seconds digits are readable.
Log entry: 2:17
